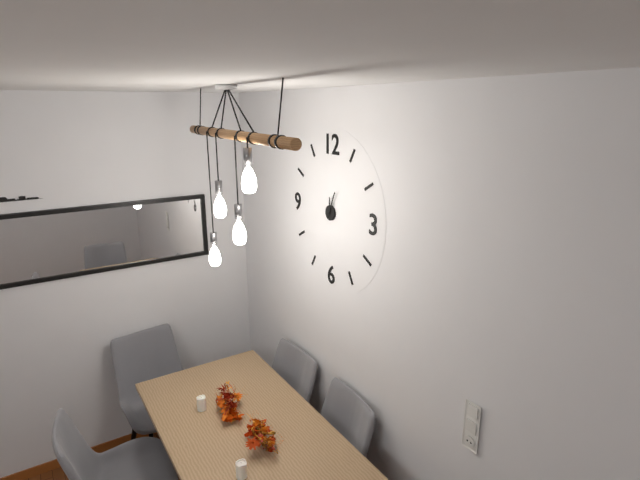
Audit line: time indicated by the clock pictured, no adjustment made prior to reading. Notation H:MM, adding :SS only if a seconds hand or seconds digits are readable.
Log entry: 12:04
